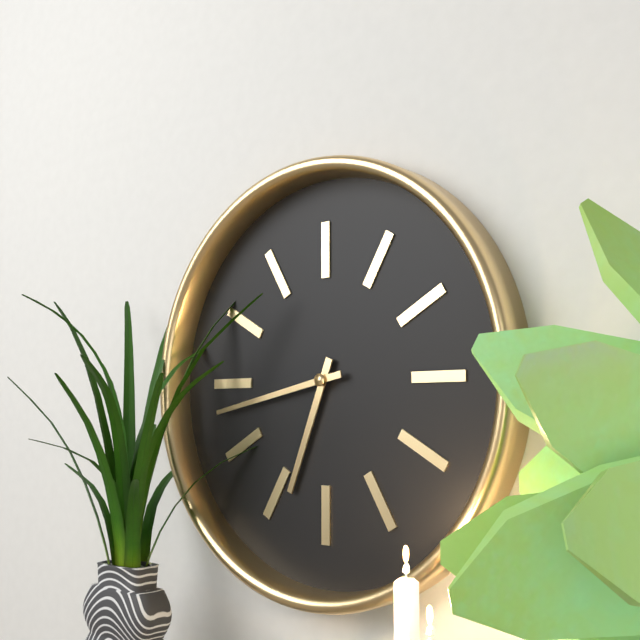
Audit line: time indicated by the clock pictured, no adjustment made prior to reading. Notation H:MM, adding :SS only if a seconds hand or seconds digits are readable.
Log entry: 6:43
